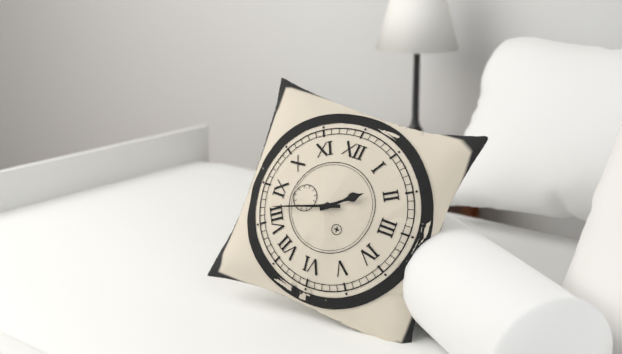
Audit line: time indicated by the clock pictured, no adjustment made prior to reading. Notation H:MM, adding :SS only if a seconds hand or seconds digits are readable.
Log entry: 1:42
